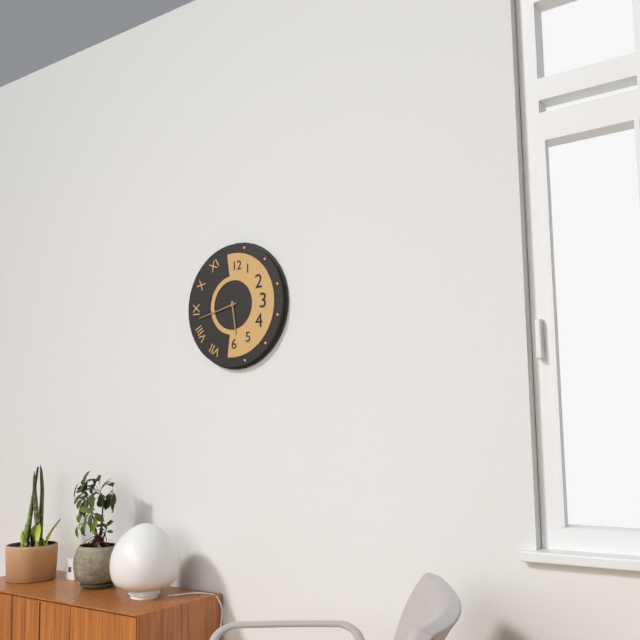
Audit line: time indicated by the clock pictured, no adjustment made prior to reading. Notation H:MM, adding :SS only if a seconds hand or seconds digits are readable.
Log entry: 5:43
